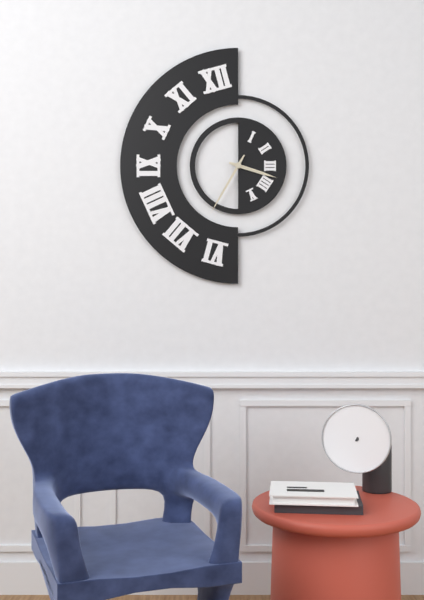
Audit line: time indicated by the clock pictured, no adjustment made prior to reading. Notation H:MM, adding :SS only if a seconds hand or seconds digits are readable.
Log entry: 3:35
